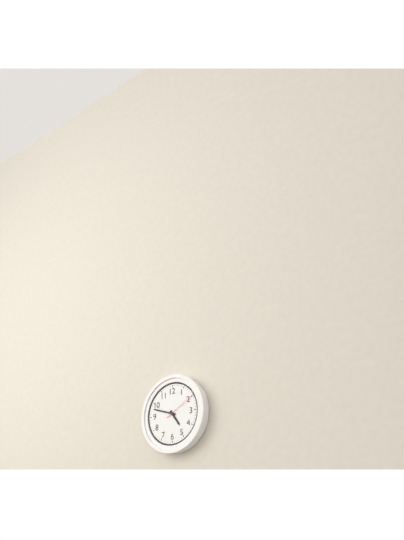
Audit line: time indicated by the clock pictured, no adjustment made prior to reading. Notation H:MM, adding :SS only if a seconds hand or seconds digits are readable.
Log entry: 4:48
